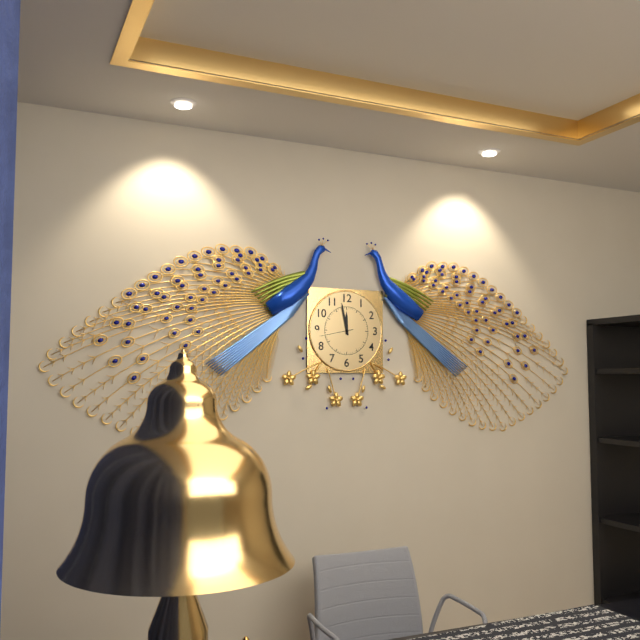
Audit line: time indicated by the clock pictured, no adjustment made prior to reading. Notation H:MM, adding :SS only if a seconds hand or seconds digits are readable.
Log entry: 11:58
